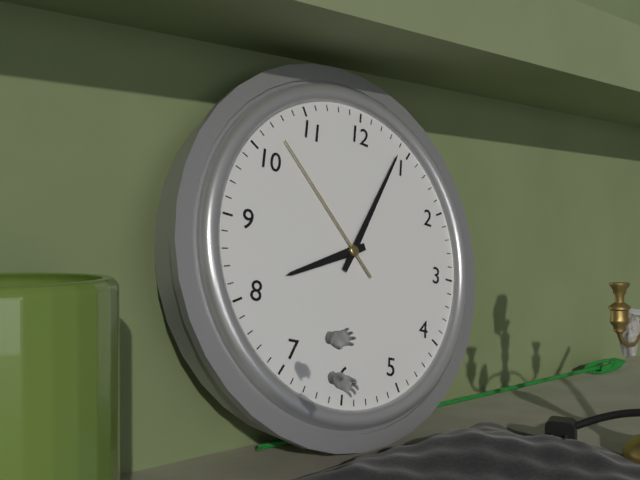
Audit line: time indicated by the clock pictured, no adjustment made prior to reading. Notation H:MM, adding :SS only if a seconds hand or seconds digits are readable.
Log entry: 8:04:52
